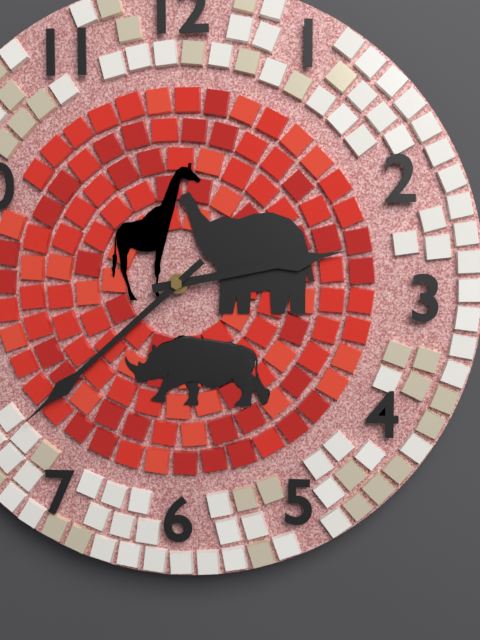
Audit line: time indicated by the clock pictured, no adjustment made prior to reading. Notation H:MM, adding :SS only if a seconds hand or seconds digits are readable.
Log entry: 2:38
